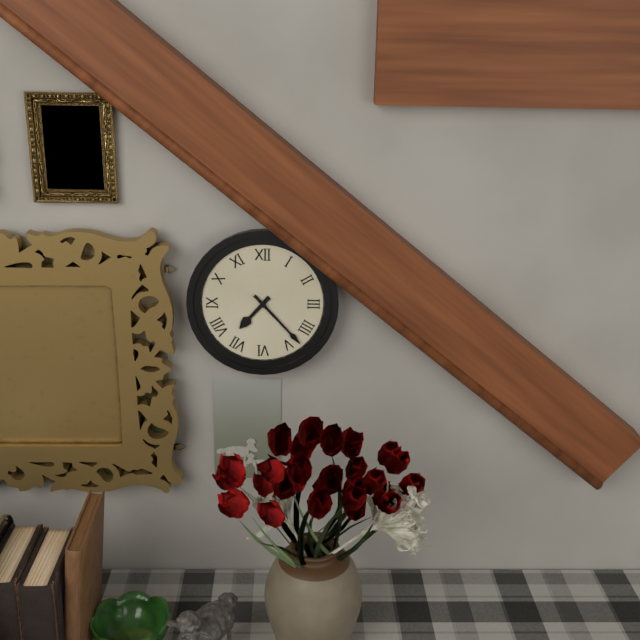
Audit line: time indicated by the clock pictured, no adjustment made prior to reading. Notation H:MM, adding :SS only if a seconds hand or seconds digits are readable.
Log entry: 7:23
